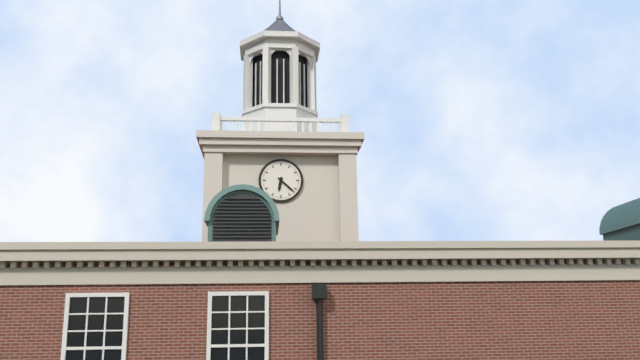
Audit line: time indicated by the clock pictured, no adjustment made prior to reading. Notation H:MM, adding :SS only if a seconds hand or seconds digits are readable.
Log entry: 6:22
